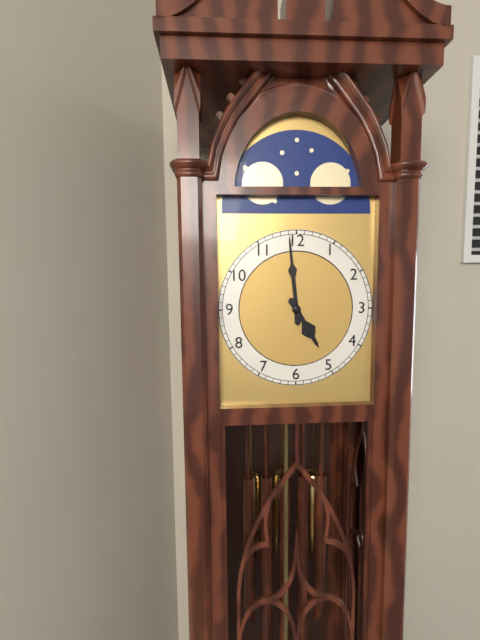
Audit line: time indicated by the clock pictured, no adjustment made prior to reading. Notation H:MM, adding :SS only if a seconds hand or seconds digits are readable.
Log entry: 4:59
